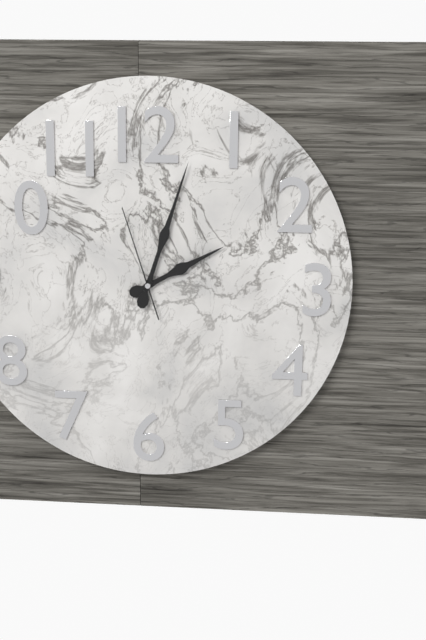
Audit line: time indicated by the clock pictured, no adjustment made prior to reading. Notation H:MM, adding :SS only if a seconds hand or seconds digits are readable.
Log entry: 2:03:57
